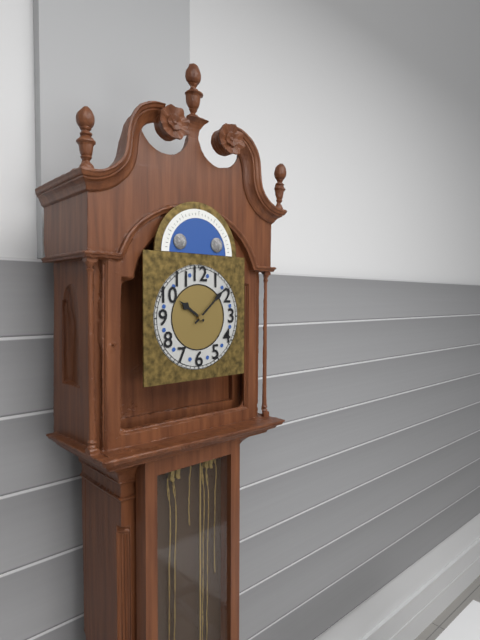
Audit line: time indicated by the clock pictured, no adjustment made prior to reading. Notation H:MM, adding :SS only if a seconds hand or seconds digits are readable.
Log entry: 10:08
